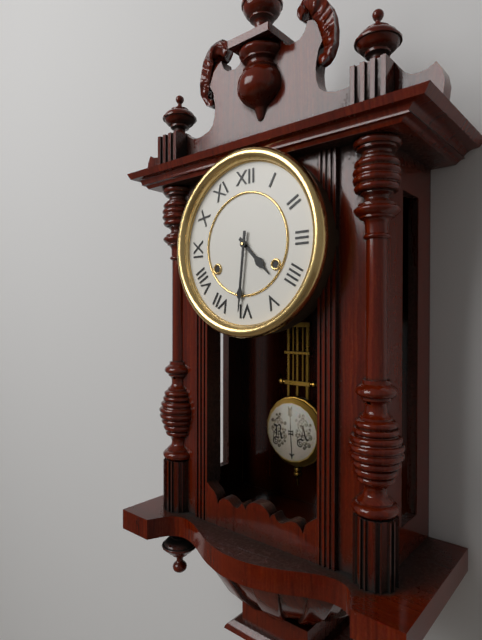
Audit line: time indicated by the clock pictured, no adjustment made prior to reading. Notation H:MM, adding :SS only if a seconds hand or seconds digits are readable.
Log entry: 4:31
